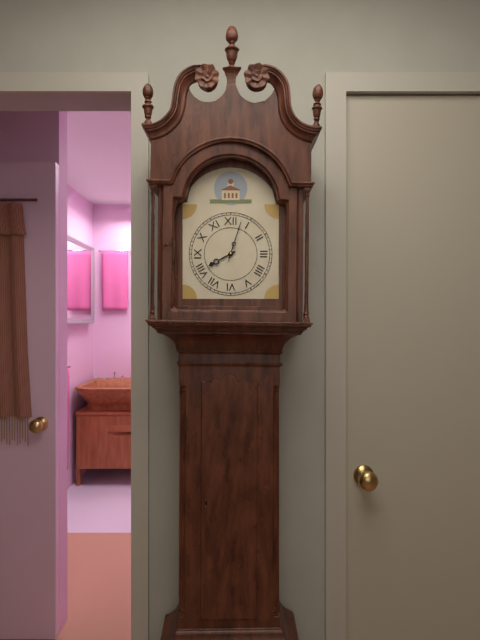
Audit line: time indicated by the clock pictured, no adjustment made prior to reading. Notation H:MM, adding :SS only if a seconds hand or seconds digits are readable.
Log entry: 8:03
